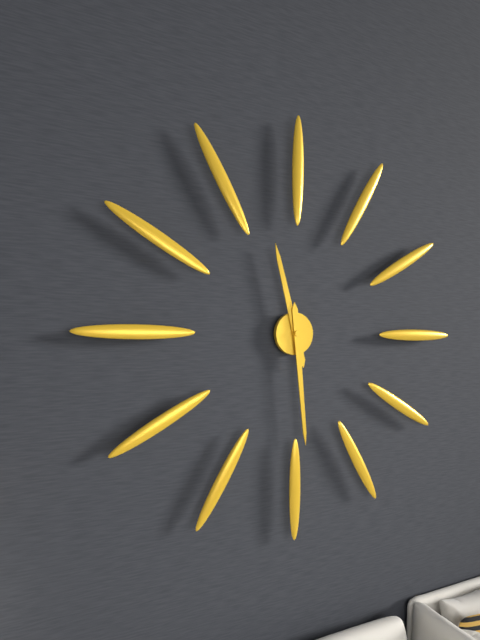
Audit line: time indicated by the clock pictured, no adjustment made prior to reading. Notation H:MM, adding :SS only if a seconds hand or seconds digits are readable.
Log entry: 11:29
